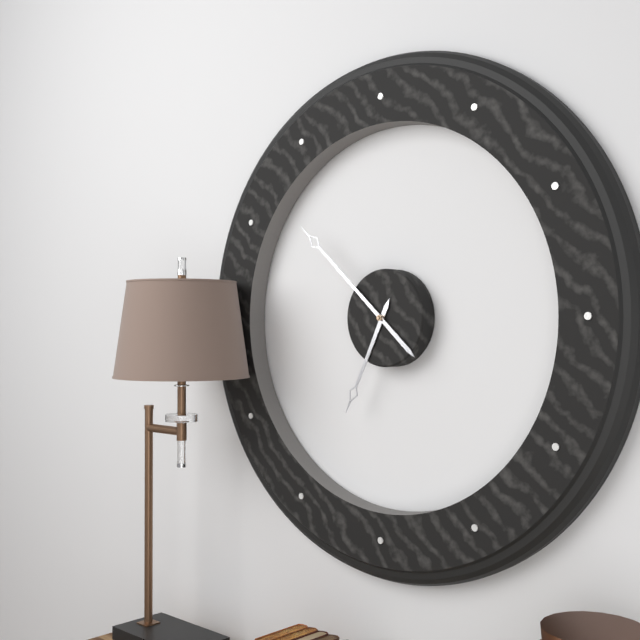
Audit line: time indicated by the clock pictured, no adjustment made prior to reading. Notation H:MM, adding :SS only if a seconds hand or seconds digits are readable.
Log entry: 6:52
